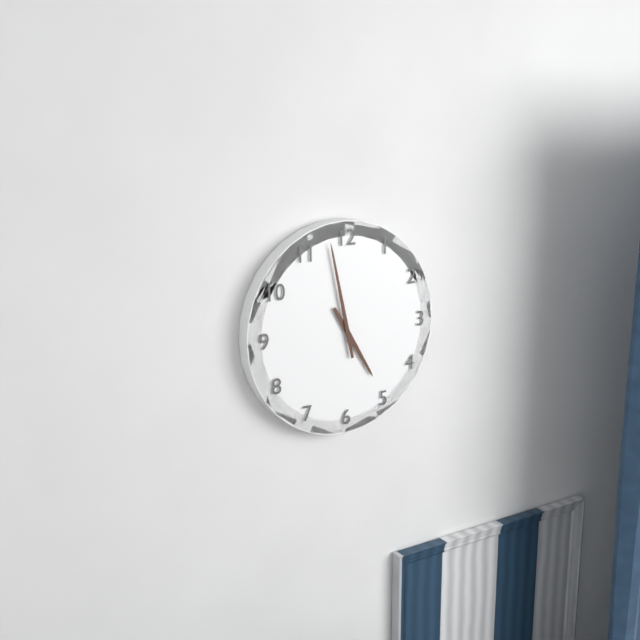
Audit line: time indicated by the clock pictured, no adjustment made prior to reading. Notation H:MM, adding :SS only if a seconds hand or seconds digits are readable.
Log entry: 4:58
